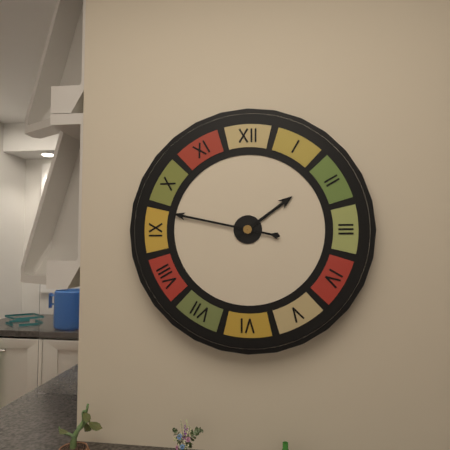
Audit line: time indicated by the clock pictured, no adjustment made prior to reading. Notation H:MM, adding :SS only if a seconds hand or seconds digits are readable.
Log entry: 1:47
